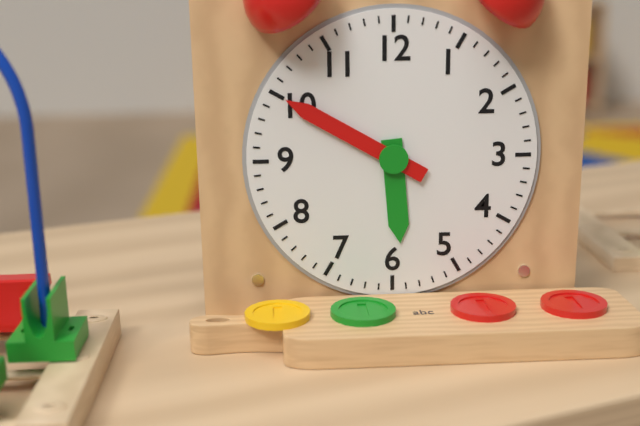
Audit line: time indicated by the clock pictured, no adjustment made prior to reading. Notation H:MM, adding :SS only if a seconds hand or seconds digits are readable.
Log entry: 5:50
